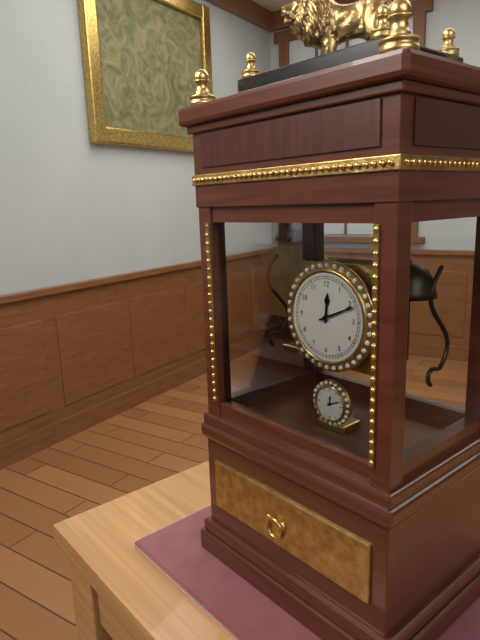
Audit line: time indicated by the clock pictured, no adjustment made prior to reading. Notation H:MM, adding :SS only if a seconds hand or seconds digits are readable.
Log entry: 12:11
